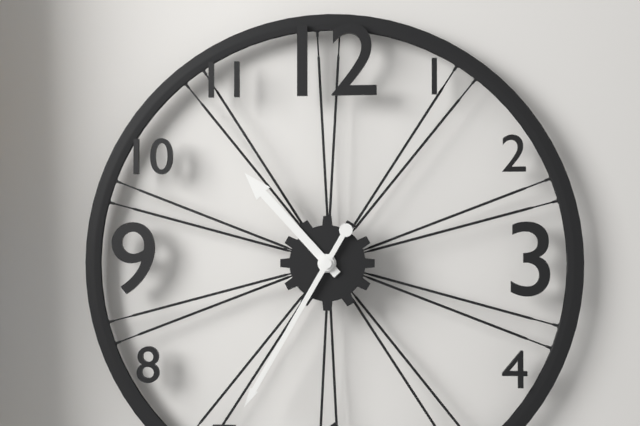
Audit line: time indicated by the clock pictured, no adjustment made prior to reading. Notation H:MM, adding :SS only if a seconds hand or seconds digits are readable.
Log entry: 10:35
